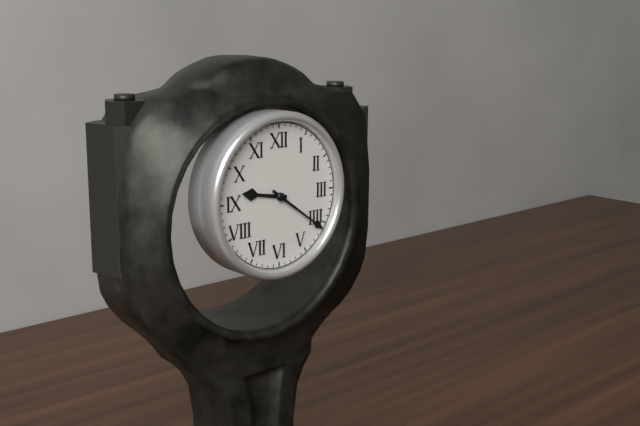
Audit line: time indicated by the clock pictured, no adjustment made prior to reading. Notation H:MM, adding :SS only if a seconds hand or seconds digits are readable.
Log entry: 9:21
